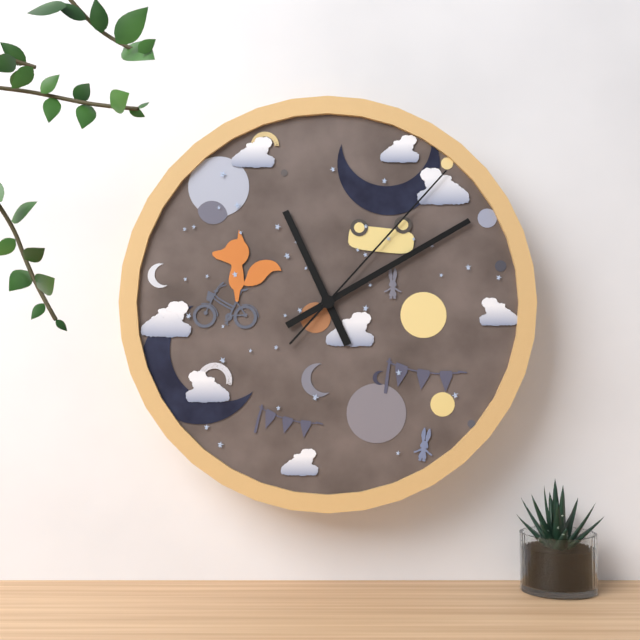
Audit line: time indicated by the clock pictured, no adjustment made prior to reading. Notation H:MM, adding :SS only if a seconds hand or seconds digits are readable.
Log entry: 11:10:07
